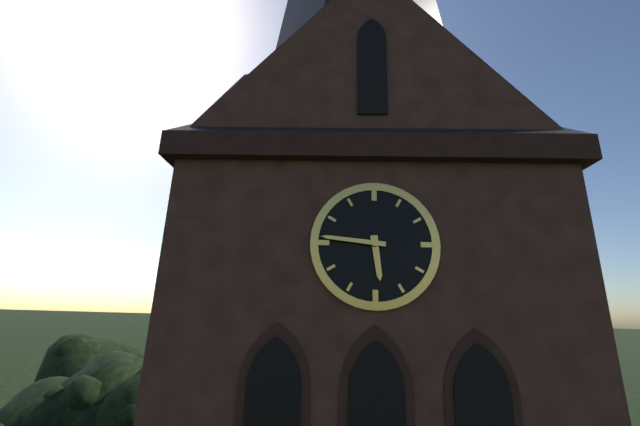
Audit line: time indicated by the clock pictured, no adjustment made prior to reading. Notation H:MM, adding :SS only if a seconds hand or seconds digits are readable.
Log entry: 5:46
